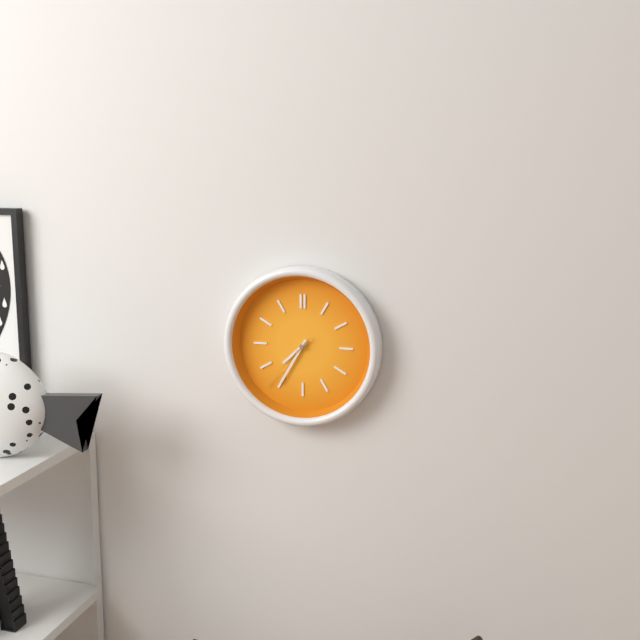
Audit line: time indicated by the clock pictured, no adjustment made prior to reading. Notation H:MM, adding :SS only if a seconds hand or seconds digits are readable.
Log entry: 7:35:37
